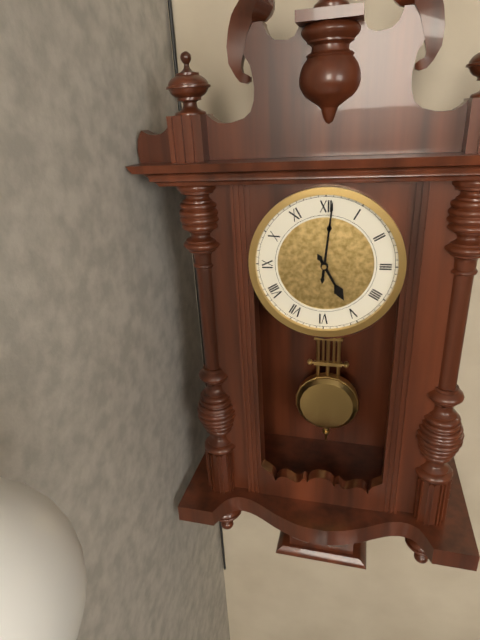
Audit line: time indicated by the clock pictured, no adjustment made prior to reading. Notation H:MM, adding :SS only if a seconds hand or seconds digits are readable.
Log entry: 5:01
